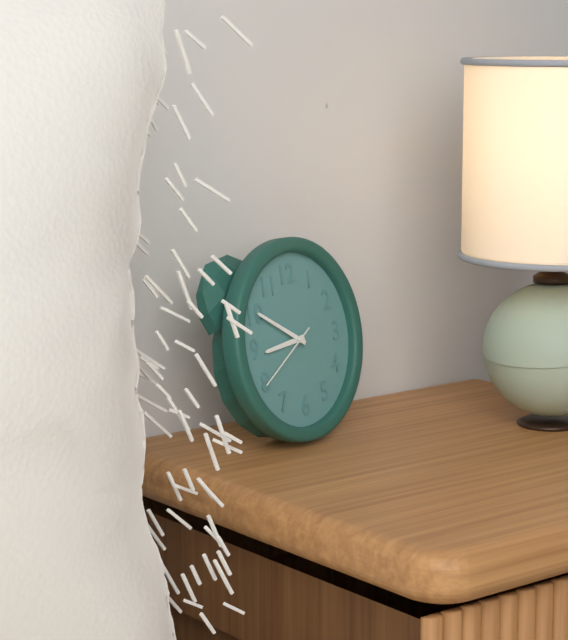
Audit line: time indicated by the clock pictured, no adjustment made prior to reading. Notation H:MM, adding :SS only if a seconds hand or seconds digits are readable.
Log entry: 8:50:40
